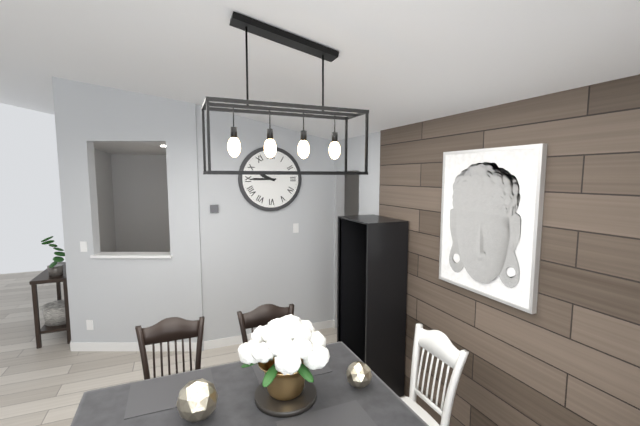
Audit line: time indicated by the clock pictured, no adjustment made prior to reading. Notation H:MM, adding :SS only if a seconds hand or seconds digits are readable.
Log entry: 9:45
